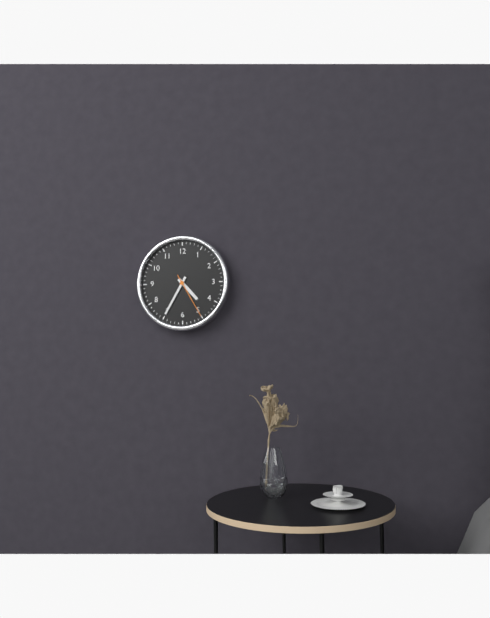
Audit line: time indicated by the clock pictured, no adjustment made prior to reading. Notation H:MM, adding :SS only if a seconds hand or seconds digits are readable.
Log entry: 4:35
